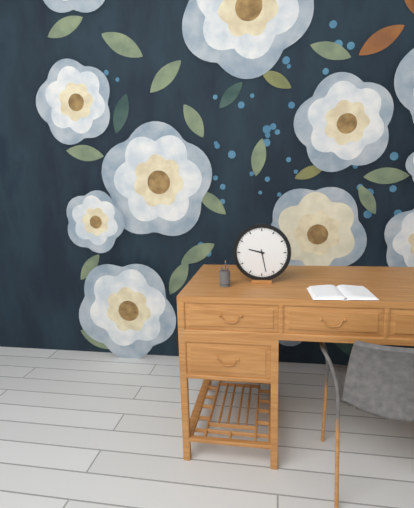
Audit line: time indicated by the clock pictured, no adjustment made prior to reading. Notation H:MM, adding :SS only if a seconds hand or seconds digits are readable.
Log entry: 9:28
